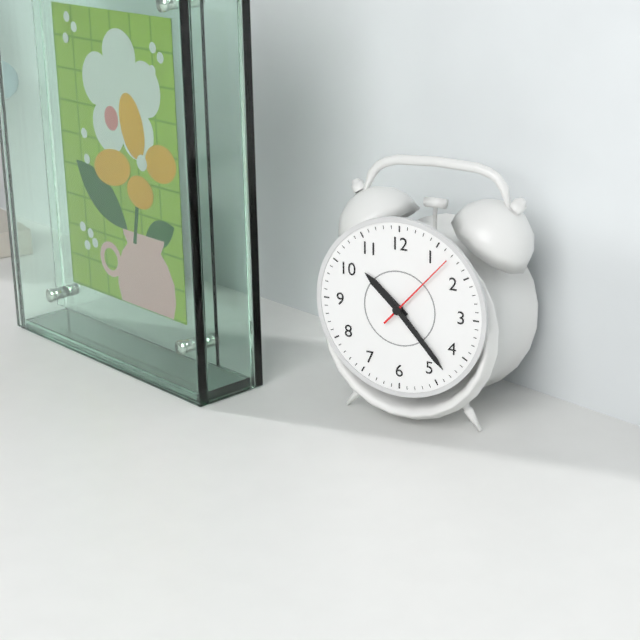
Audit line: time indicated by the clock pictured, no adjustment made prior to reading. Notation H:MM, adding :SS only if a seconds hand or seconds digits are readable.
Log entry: 10:23:07
